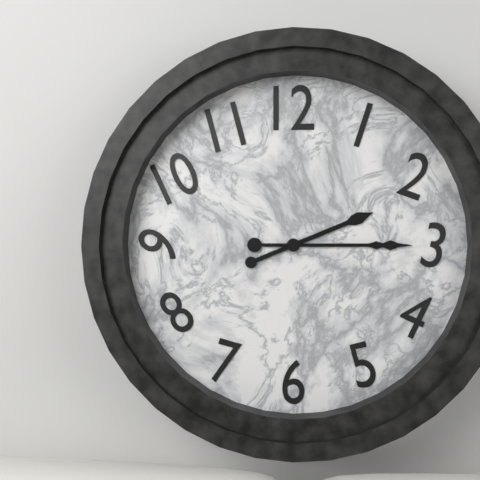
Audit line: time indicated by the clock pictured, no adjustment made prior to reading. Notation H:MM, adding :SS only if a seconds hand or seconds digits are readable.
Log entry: 2:15
